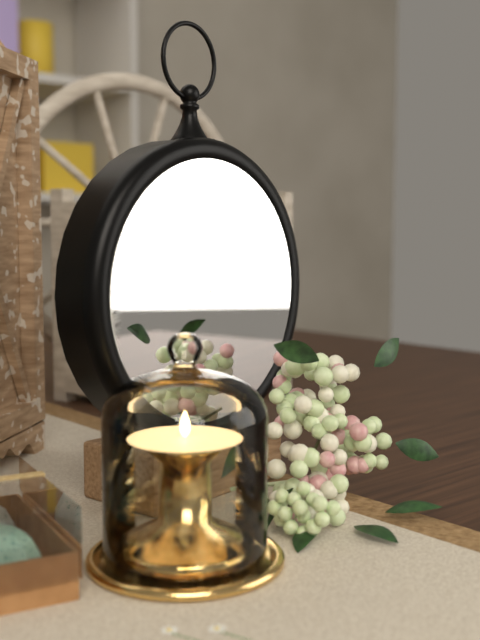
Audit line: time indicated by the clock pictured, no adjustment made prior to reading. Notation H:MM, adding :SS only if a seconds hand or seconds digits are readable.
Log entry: 6:26
